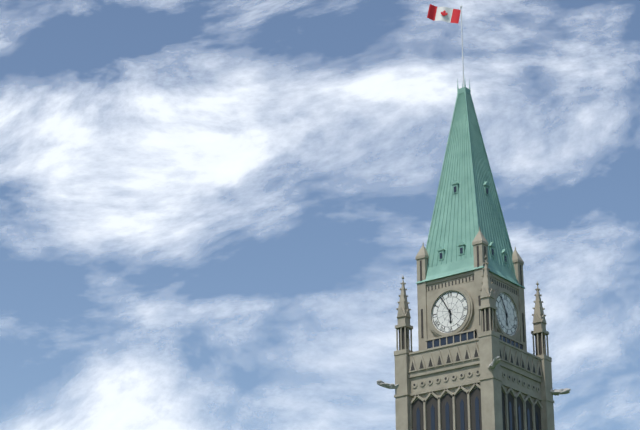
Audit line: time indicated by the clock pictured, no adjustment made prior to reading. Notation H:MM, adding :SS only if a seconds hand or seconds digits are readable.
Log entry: 5:55
